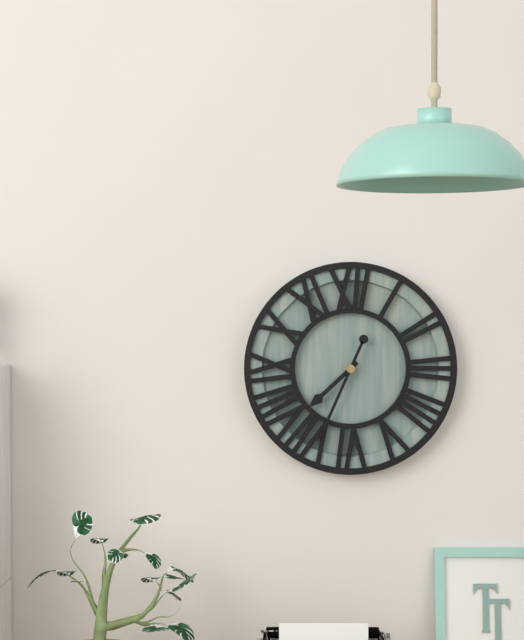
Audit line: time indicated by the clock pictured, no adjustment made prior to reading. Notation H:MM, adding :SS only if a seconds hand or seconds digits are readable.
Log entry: 7:34
